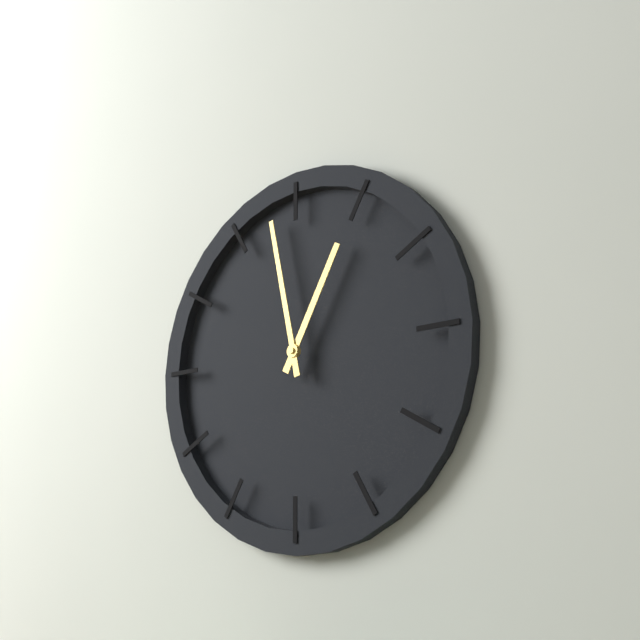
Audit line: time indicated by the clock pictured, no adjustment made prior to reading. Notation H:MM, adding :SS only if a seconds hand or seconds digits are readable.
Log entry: 12:58
